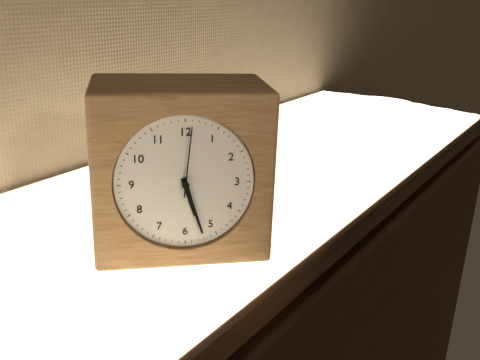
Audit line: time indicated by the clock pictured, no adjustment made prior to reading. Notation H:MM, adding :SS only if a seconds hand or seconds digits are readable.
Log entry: 5:27:01
